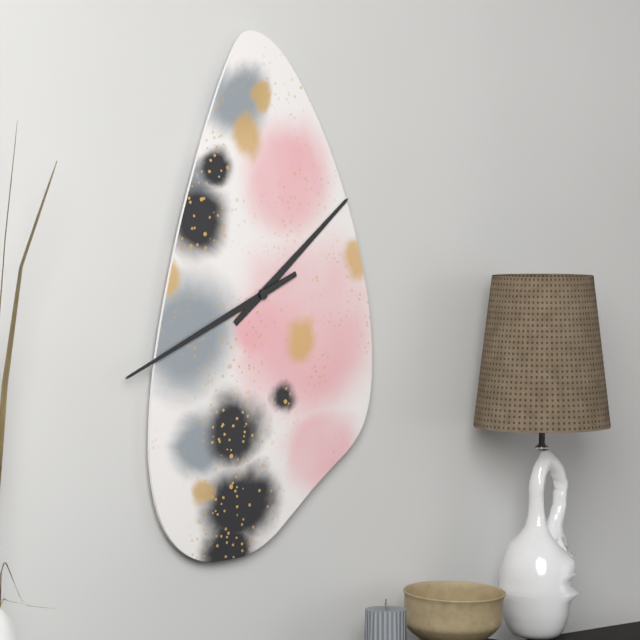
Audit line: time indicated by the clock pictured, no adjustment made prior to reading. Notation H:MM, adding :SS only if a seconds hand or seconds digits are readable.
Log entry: 1:41
